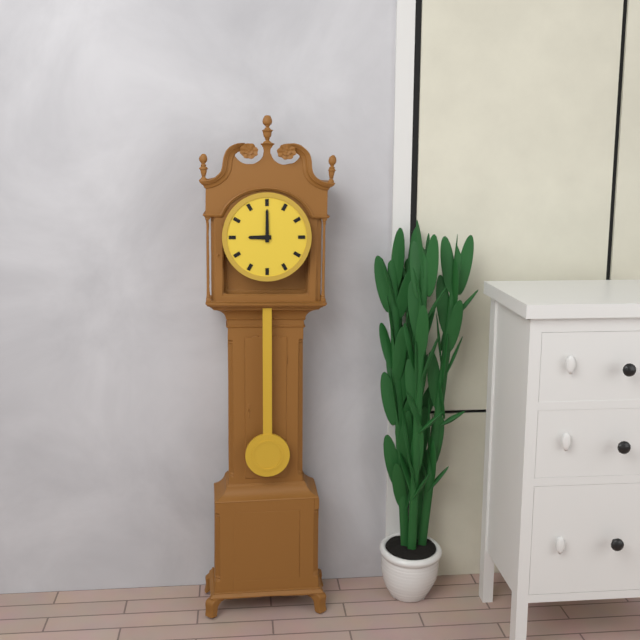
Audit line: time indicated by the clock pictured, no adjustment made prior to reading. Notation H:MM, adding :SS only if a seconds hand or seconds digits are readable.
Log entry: 9:00
